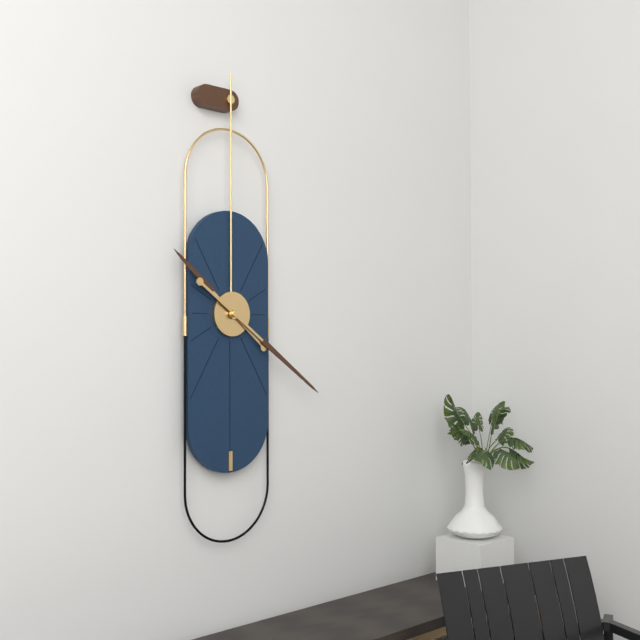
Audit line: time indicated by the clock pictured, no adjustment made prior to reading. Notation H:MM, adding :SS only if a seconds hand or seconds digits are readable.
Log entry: 10:21
